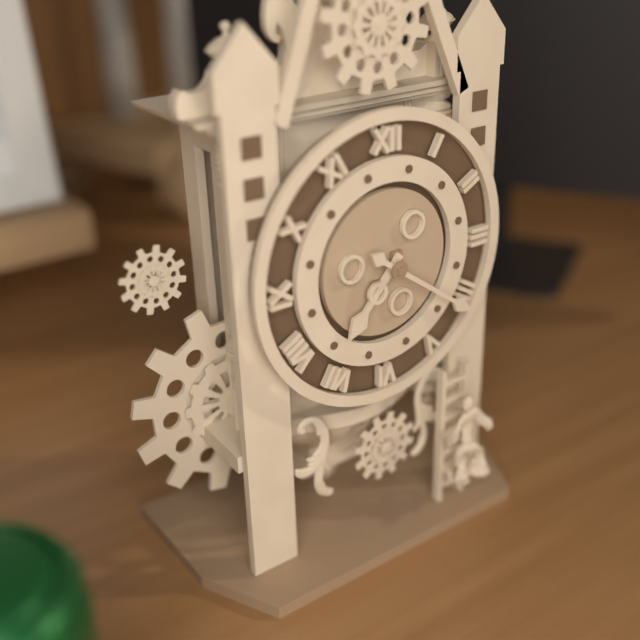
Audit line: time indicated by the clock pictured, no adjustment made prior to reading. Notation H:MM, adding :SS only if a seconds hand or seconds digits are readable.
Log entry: 7:21
